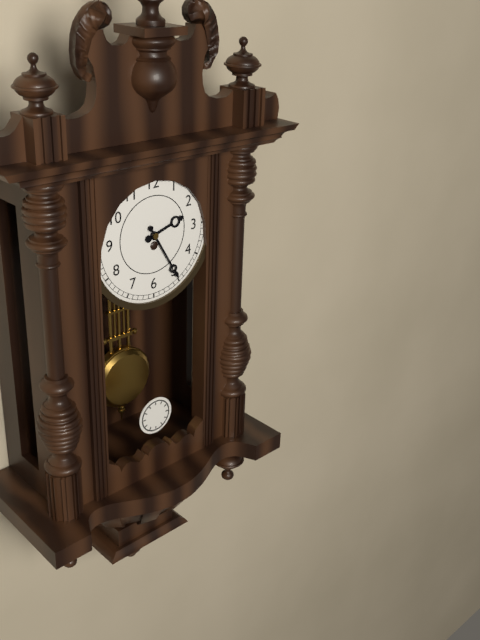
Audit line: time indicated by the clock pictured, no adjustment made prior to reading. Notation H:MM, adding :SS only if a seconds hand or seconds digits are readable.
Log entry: 2:25
